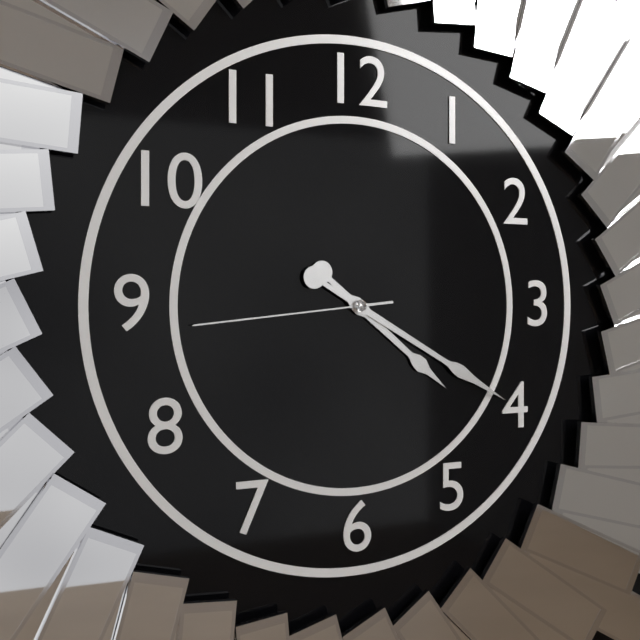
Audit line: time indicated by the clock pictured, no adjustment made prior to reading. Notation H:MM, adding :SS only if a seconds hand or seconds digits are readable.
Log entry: 4:20:44
